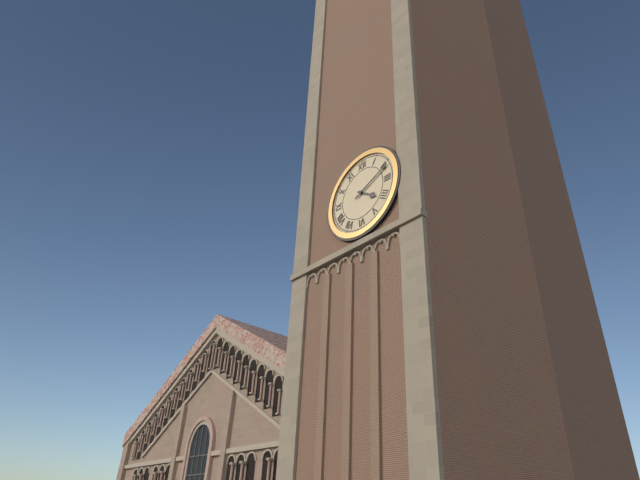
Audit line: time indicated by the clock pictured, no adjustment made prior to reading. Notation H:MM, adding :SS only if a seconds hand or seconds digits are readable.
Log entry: 4:11
